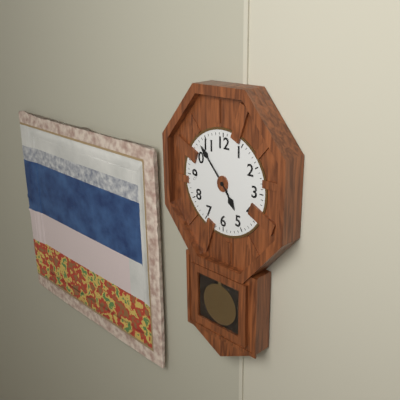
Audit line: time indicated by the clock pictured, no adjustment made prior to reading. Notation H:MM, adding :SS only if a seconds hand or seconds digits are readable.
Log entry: 4:53
